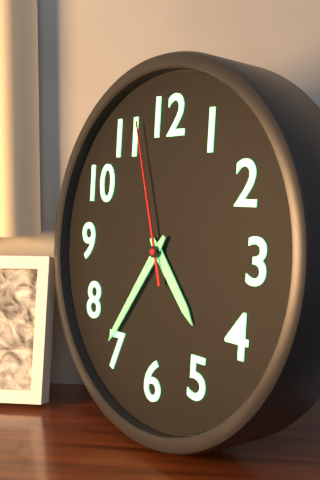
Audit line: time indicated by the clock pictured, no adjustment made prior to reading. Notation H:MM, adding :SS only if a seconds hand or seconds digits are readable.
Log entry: 4:36:57
